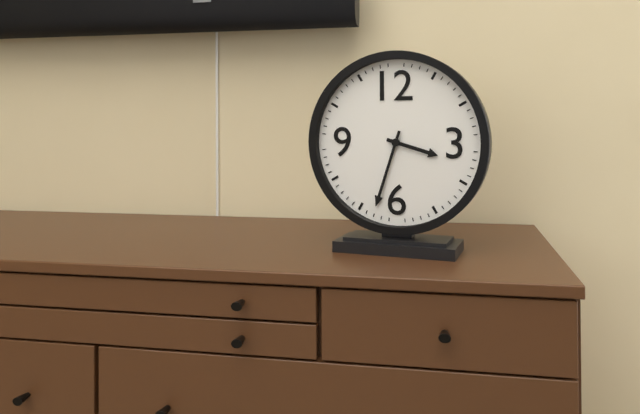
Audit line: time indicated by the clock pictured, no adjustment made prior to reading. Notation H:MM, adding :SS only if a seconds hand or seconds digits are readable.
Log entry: 3:33
